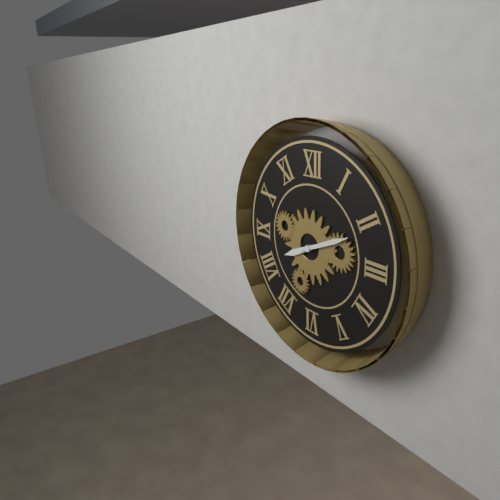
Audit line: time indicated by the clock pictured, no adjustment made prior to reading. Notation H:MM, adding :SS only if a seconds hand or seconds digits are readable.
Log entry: 8:11
